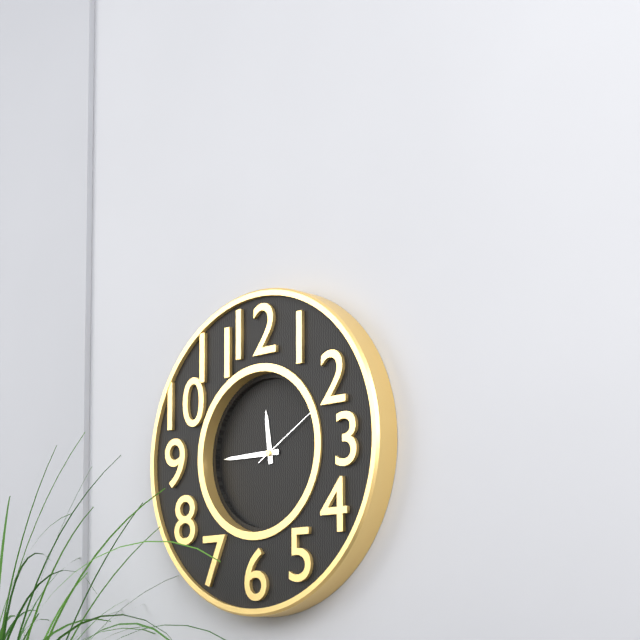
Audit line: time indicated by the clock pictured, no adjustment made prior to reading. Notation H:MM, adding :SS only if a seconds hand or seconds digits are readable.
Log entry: 11:45:10
